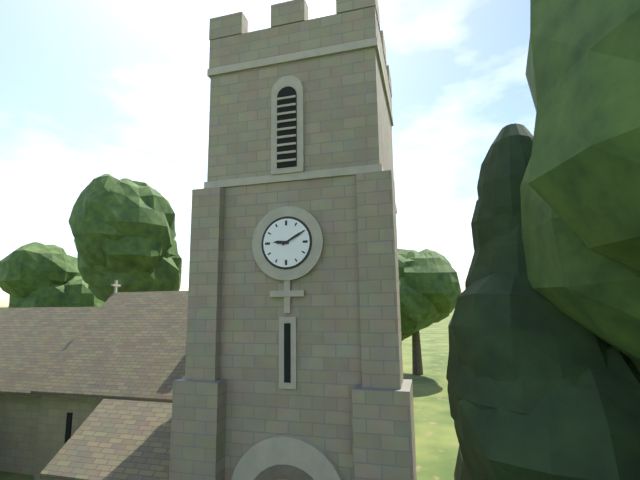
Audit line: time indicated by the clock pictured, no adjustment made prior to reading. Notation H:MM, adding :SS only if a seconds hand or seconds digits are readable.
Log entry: 9:10
